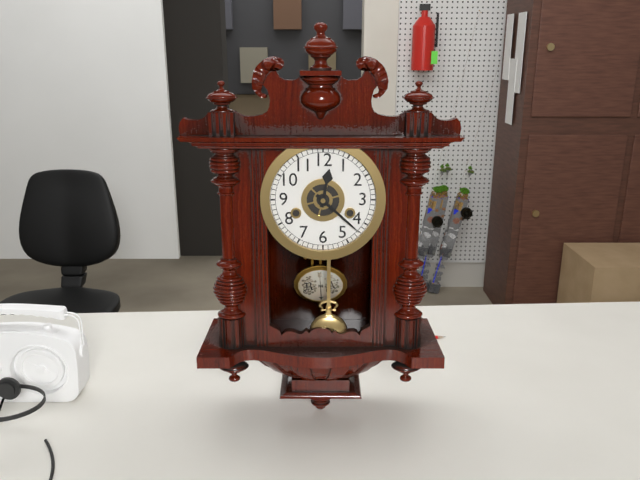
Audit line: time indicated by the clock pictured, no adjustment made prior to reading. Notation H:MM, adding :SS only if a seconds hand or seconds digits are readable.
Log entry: 12:22
